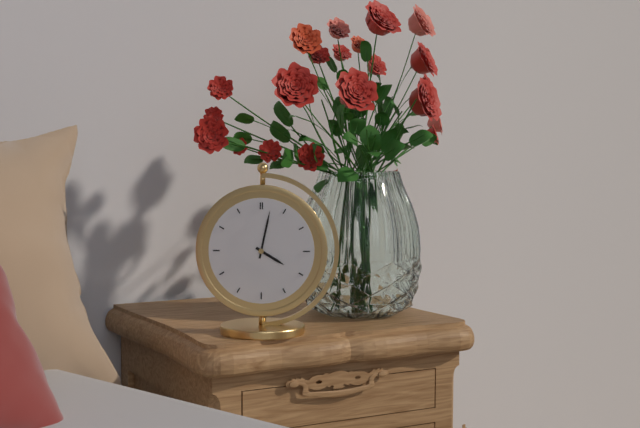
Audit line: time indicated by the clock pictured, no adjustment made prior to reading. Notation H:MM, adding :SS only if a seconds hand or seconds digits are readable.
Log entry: 4:02
